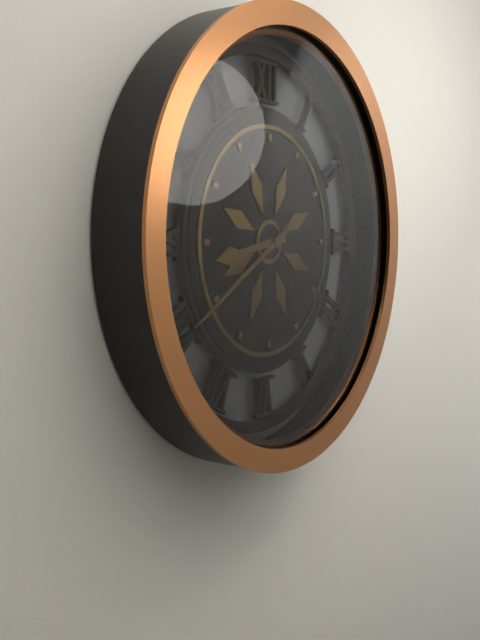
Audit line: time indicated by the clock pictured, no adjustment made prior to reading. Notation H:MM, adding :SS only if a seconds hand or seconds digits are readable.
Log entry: 8:40
